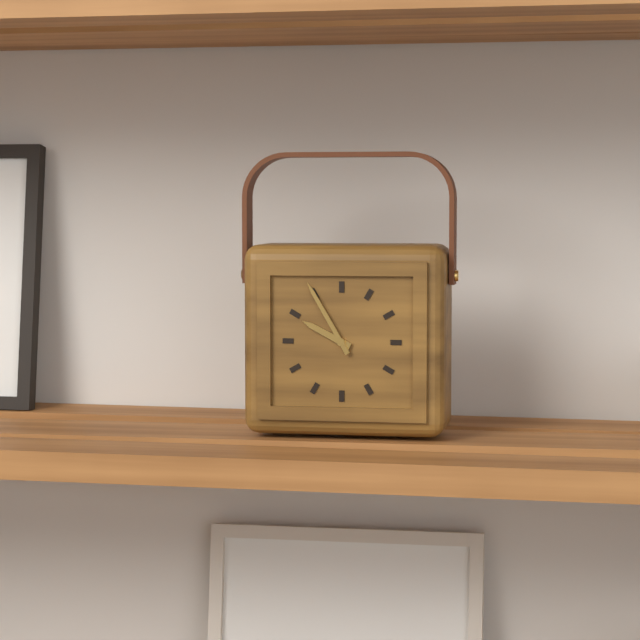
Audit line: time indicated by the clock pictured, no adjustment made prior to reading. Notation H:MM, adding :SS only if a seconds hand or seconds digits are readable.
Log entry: 9:55
